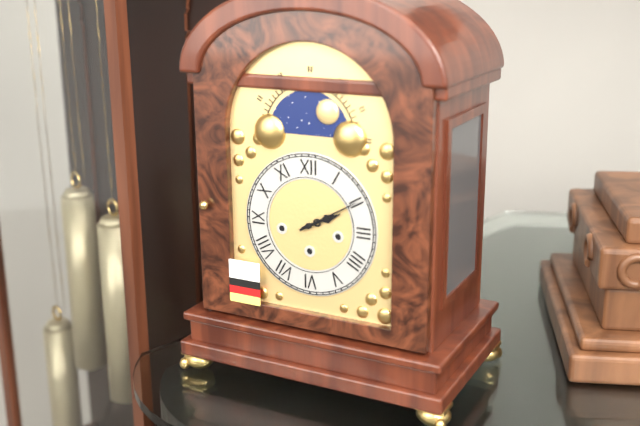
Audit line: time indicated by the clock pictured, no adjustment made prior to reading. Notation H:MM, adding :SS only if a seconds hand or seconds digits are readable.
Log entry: 2:10
